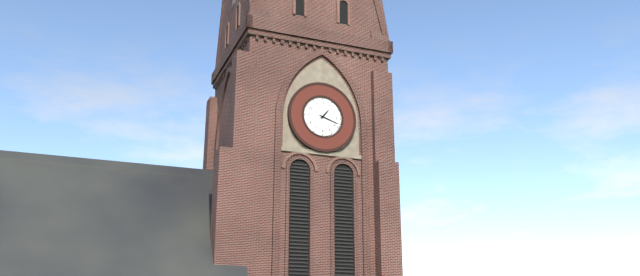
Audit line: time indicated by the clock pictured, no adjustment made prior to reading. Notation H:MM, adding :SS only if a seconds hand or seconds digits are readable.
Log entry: 1:18
